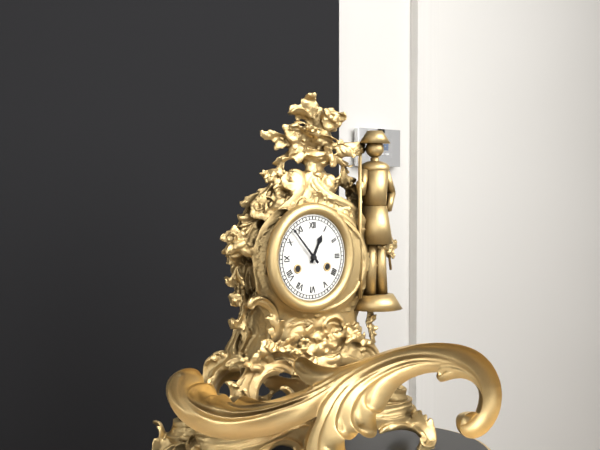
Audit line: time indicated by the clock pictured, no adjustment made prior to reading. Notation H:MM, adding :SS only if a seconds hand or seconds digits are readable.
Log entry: 12:53
